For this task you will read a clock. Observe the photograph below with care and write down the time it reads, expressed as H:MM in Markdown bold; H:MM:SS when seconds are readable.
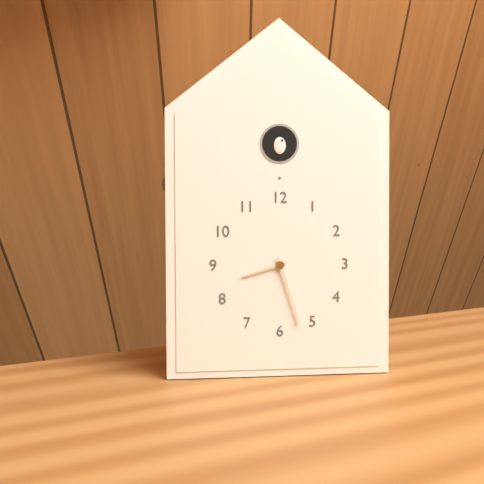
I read **8:27**
